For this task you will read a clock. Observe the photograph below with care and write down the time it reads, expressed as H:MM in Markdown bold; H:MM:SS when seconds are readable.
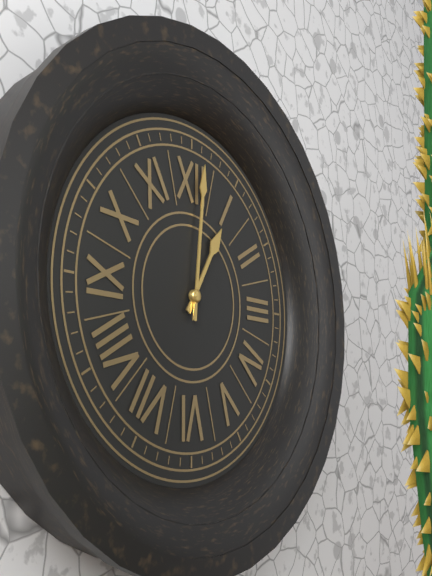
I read **1:01**
